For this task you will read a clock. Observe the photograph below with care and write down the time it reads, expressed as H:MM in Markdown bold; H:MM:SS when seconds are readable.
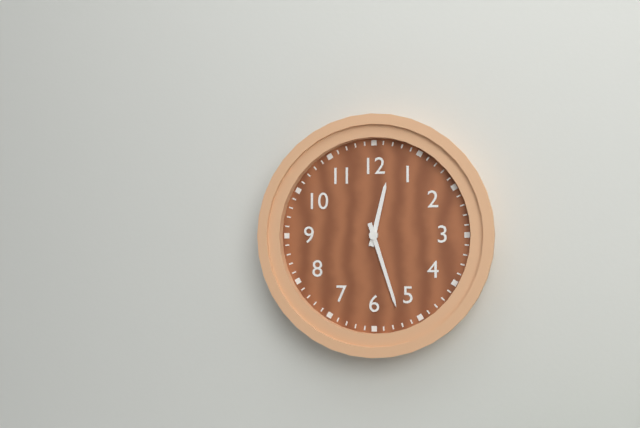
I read **12:27**
